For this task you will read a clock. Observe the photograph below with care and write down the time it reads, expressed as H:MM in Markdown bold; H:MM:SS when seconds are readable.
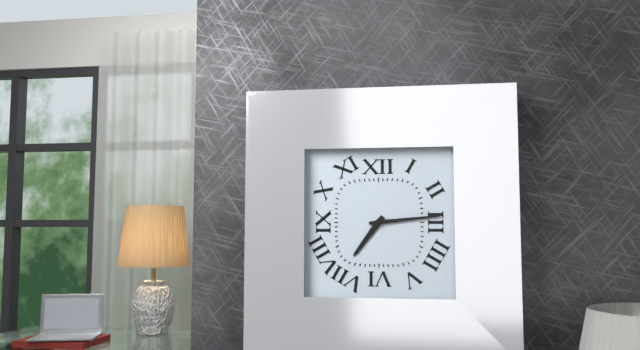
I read **7:14**
